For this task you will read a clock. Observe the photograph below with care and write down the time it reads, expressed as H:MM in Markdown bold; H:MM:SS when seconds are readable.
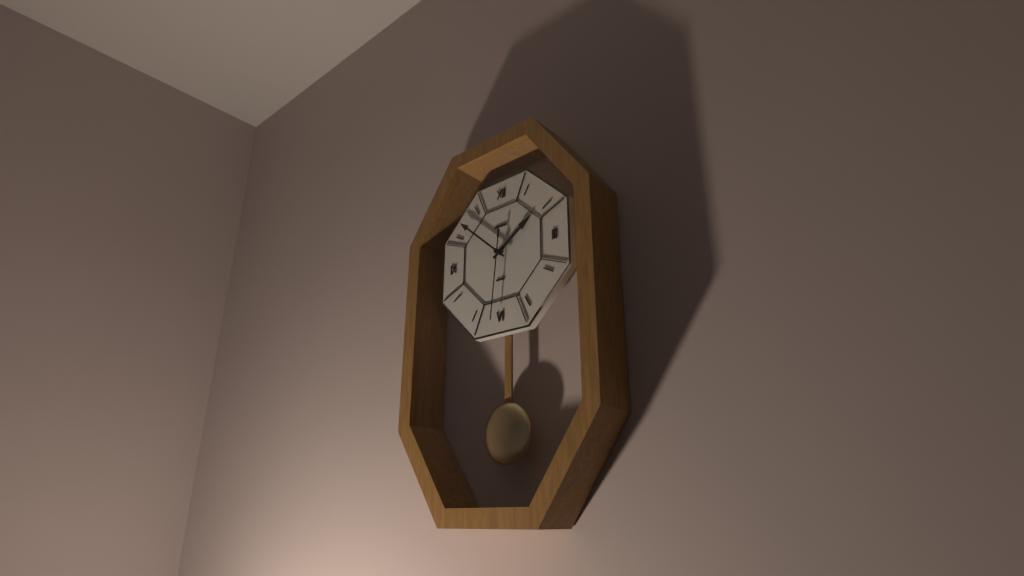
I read **1:52:31**
